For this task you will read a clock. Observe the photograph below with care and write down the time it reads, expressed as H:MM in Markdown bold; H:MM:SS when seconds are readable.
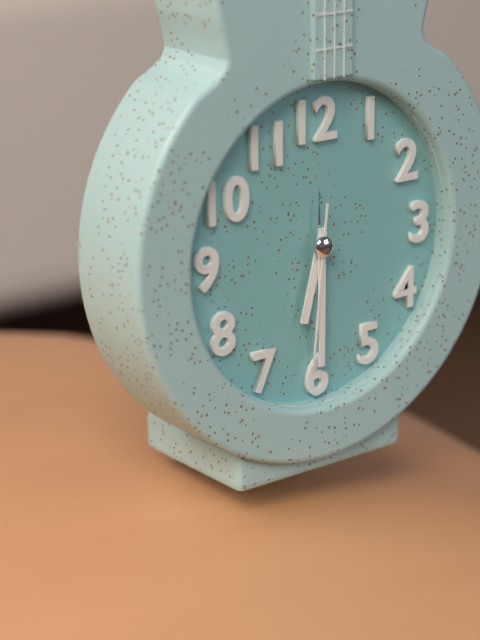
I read **6:30:31**
